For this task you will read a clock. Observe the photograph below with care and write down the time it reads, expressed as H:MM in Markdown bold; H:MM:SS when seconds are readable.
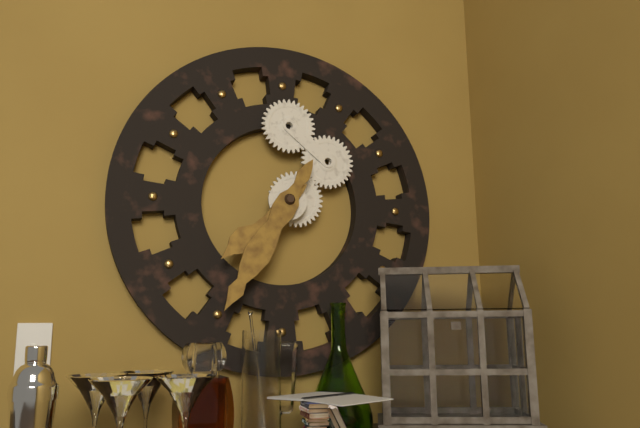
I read **7:35**
